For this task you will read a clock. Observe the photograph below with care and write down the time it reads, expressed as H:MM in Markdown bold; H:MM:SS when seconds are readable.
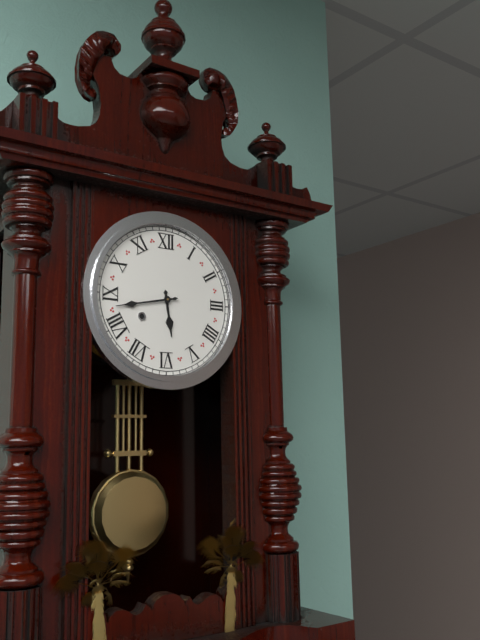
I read **5:43**
